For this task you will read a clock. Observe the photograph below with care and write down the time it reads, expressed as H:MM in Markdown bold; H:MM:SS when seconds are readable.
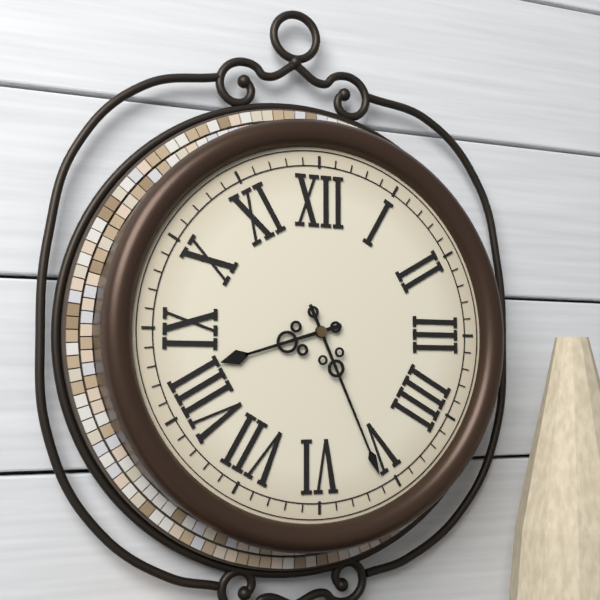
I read **8:26**
